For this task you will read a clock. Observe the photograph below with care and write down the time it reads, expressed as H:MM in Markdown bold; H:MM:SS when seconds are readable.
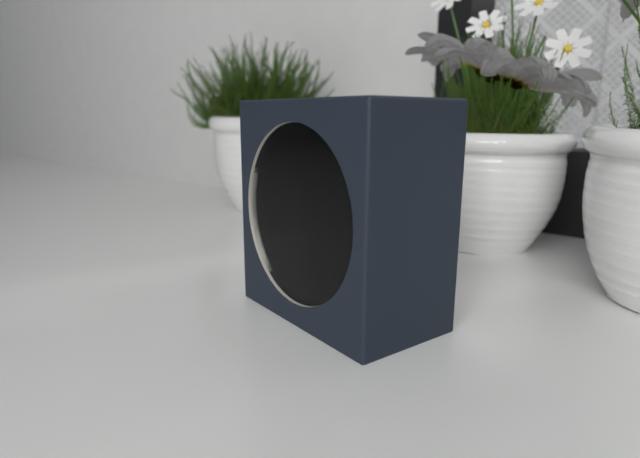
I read **1:10:17**
